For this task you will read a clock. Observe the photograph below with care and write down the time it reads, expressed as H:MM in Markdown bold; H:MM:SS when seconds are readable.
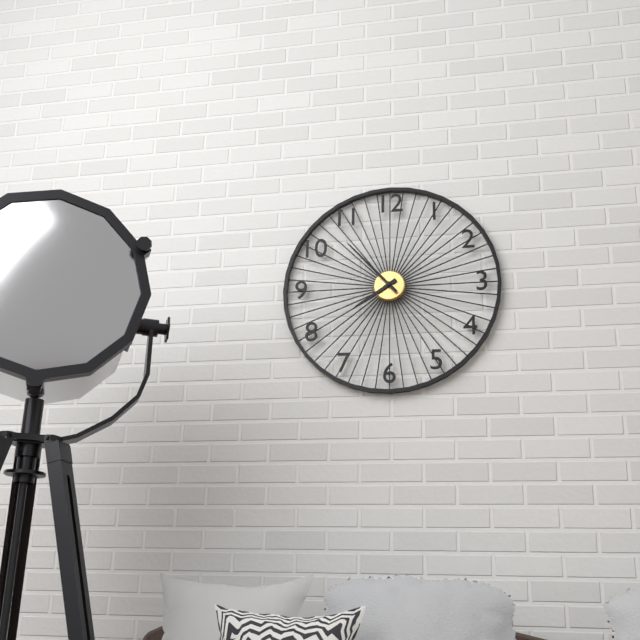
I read **7:53**
